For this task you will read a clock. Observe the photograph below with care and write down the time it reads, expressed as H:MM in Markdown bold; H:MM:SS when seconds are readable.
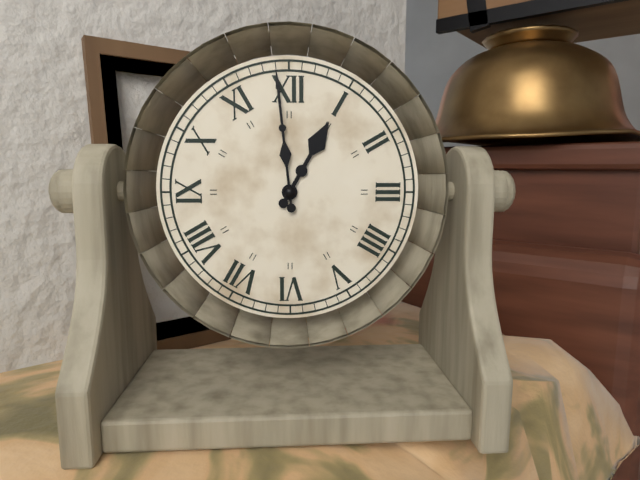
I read **12:59**
